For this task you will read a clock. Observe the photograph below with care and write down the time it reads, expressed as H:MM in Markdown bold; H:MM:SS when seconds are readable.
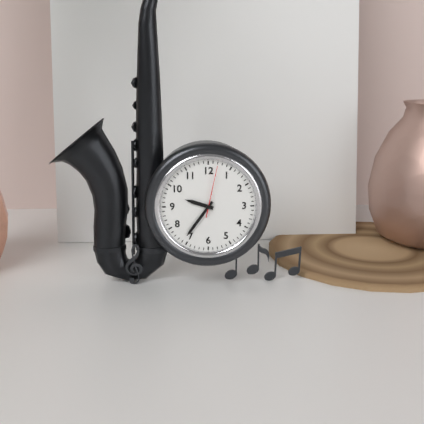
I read **9:36:02**
